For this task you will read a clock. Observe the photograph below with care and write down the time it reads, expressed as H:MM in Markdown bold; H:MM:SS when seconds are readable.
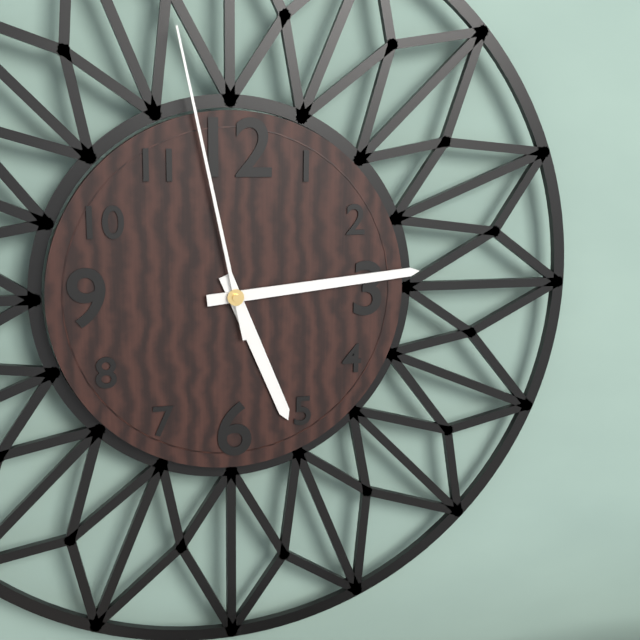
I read **5:14:58**
